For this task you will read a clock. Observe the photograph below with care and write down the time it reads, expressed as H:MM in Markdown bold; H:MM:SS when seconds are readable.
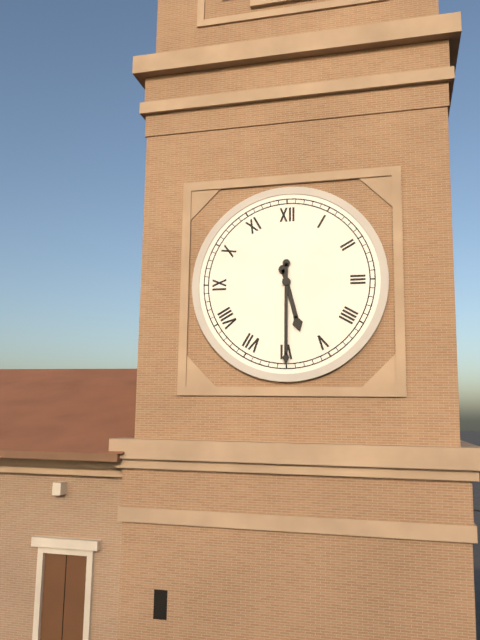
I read **5:30**
